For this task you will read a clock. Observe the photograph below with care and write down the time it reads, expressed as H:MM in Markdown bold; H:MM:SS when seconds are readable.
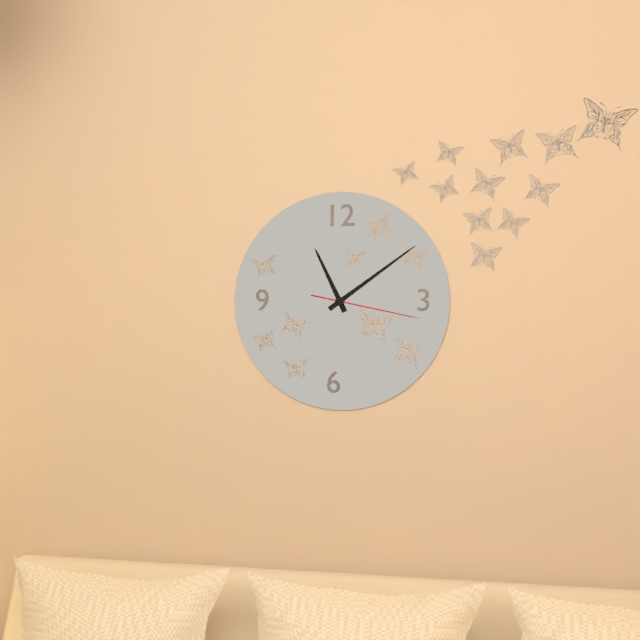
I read **11:09:17**
